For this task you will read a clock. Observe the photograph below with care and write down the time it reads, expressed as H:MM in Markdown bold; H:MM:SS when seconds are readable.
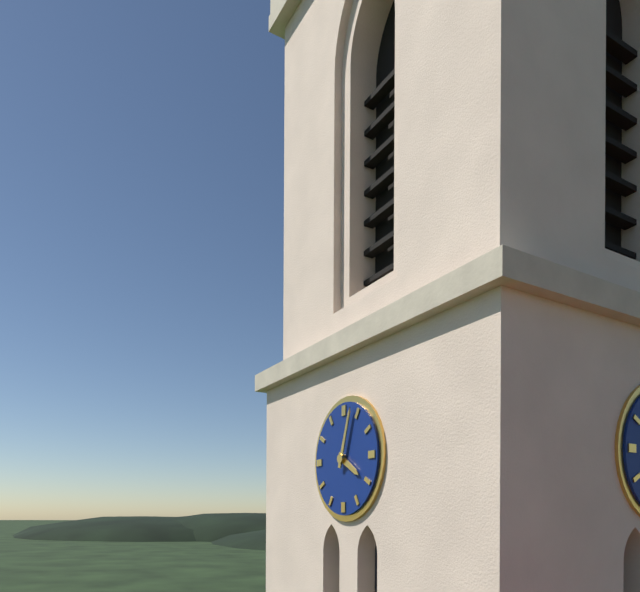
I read **4:03**
